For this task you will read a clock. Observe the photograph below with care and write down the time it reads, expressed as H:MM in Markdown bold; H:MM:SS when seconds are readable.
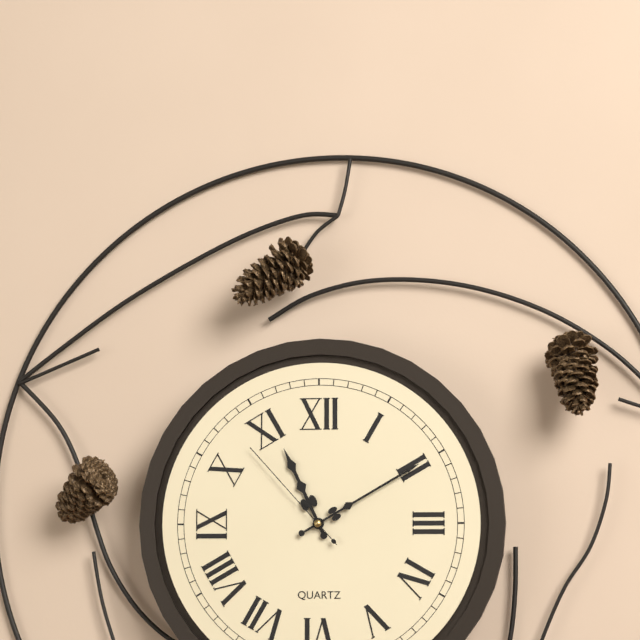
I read **11:10:53**
